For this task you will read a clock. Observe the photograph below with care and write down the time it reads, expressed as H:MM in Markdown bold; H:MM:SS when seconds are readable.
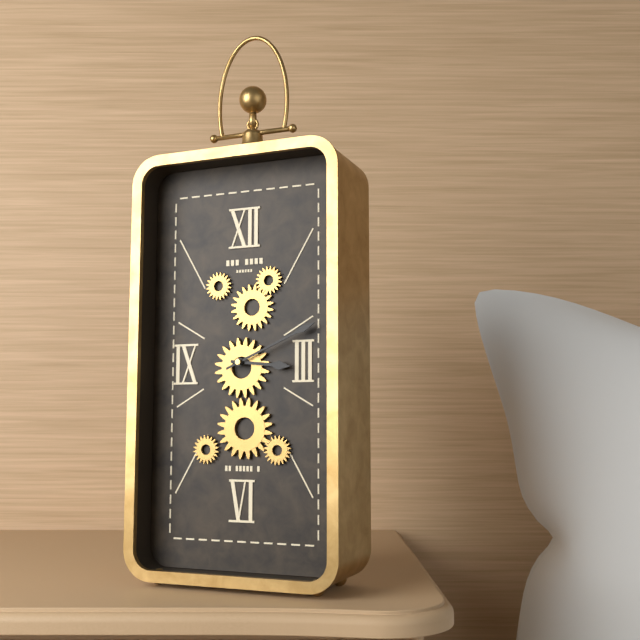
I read **3:11**
